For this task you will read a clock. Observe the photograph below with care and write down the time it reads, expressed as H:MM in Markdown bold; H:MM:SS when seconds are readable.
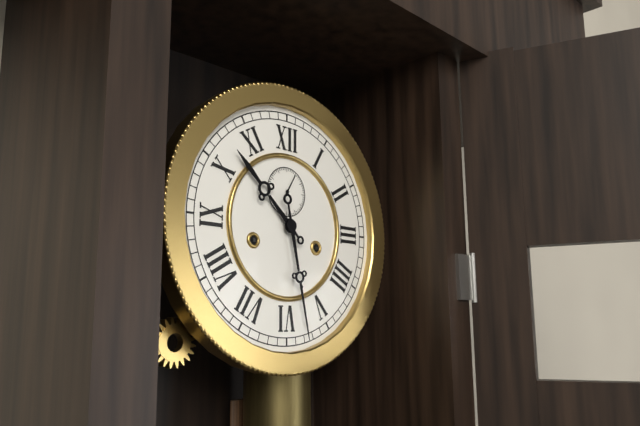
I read **10:28**
